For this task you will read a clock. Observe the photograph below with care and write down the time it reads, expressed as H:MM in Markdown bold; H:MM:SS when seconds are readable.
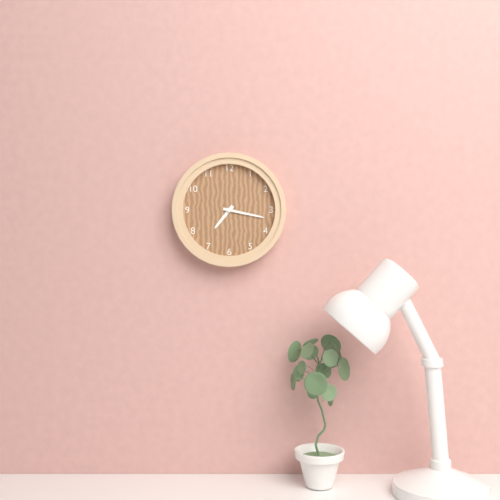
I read **7:17**
